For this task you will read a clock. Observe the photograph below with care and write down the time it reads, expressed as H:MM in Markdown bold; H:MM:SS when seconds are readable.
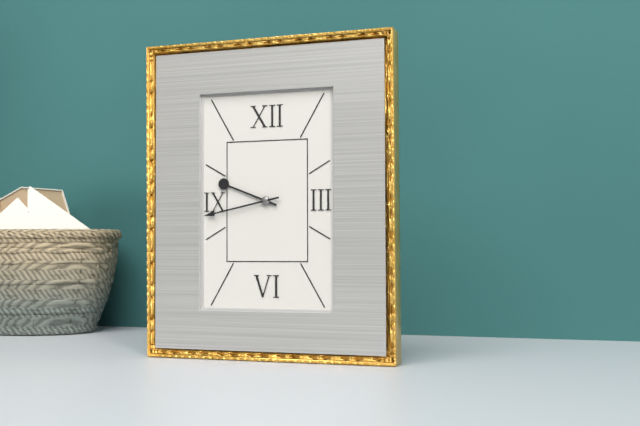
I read **9:43**
